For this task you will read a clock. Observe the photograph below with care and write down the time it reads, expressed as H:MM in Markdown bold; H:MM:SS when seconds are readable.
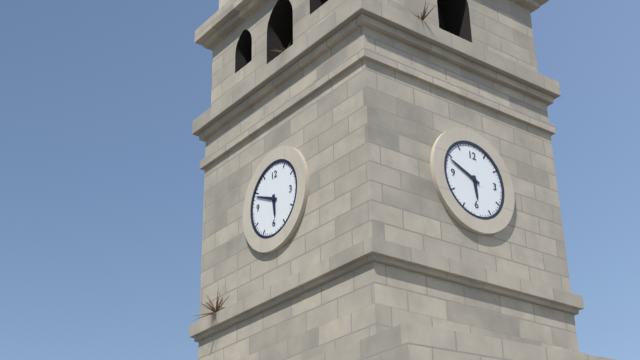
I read **5:49**
